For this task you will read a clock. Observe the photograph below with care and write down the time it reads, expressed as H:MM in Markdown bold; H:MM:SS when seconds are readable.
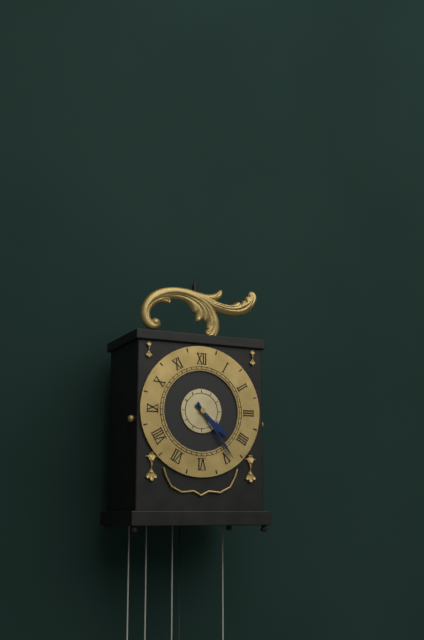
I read **4:24**
